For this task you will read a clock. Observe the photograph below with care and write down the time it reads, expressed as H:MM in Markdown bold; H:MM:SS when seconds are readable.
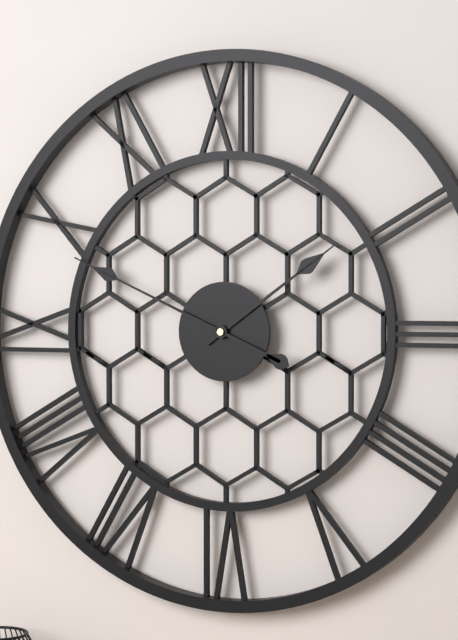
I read **1:49**
